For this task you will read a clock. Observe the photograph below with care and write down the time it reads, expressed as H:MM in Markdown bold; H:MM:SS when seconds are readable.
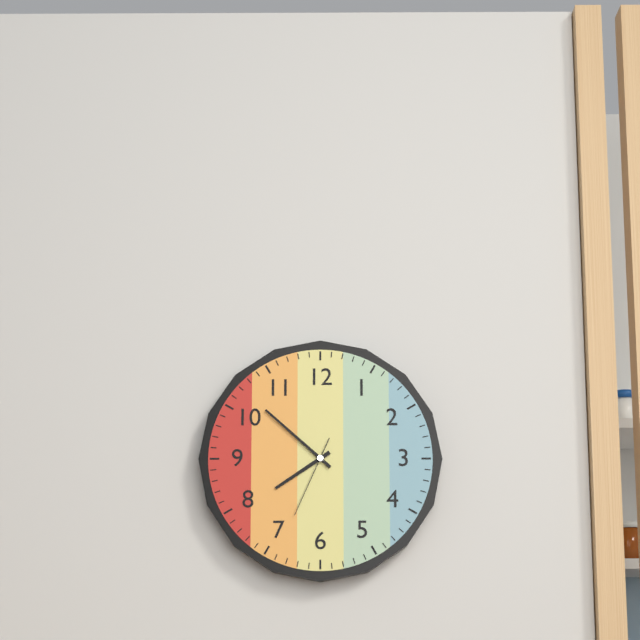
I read **7:52:34**
